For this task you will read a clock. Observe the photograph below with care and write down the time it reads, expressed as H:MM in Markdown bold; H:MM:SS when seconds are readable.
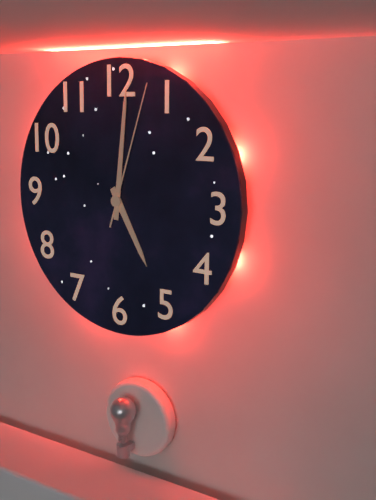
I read **5:01:03**
